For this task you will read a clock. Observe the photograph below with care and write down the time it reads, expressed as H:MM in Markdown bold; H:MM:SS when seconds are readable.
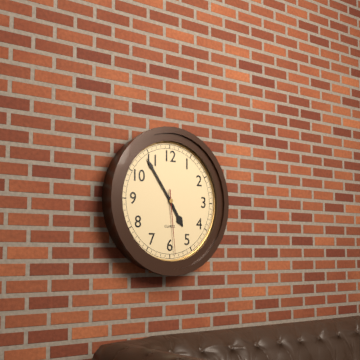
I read **4:54:29**
